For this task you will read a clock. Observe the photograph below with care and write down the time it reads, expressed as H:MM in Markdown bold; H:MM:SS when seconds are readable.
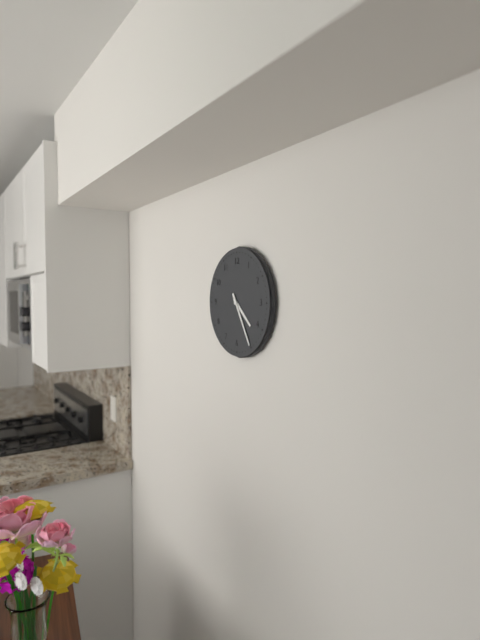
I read **4:25**
